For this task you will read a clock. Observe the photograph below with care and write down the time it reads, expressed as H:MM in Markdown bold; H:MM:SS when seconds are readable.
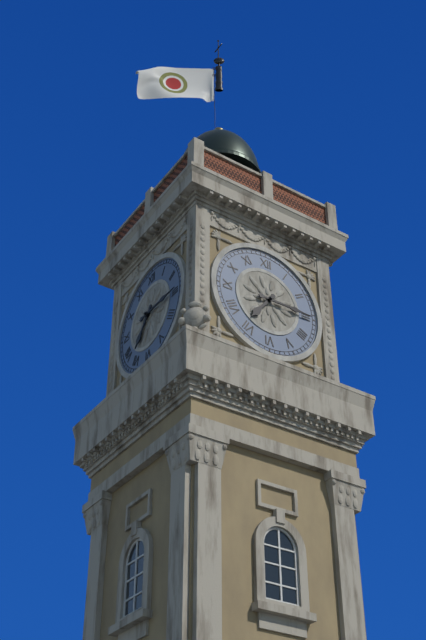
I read **7:15**
